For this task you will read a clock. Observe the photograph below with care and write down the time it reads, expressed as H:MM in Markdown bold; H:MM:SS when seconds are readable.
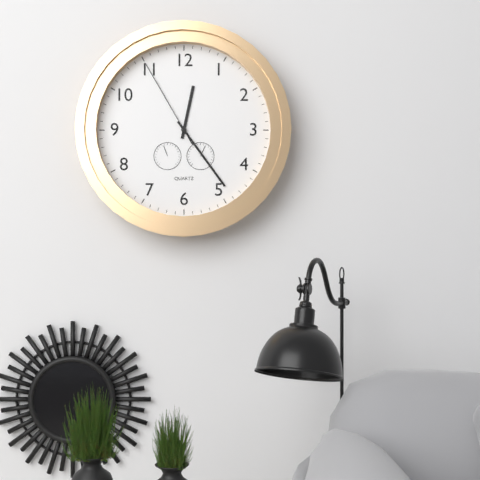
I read **12:24:55**
